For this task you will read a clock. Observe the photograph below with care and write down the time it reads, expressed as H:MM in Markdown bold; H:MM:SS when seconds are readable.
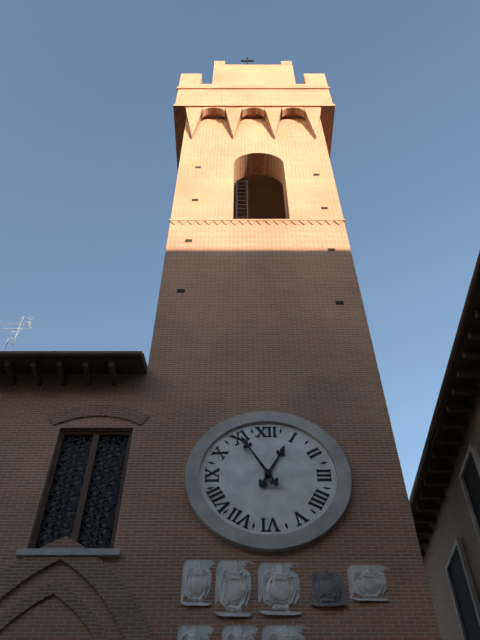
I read **12:55**
